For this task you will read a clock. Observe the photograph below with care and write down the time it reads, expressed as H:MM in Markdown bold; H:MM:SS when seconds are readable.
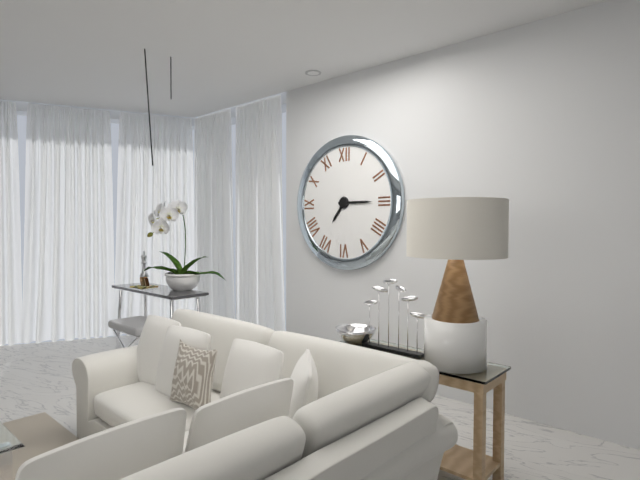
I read **7:15**
